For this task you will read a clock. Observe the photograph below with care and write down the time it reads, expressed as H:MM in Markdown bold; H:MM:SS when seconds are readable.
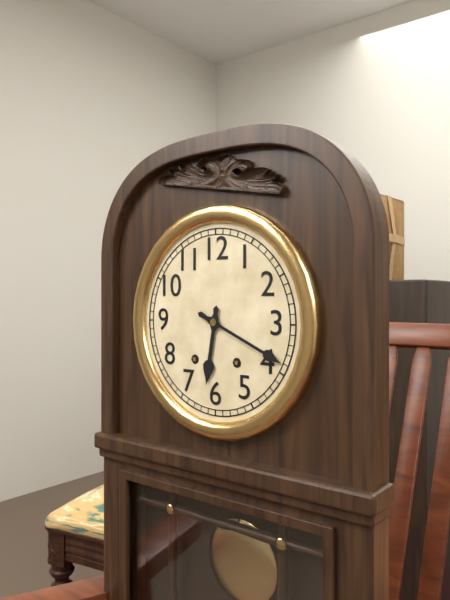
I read **6:19**
